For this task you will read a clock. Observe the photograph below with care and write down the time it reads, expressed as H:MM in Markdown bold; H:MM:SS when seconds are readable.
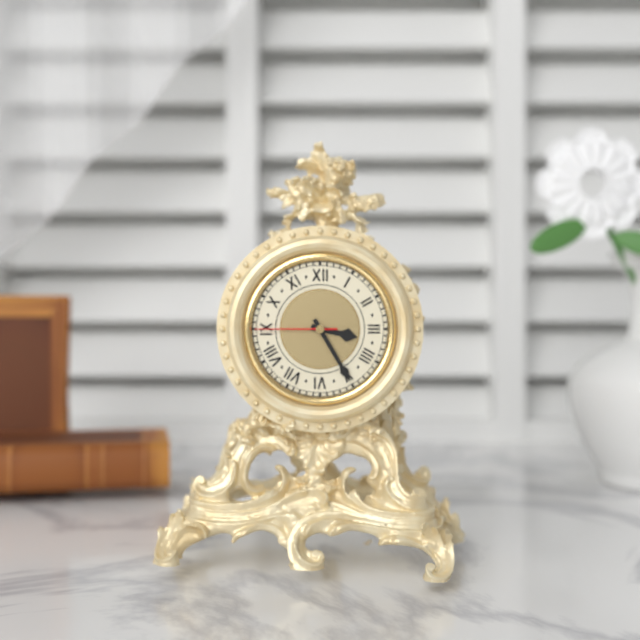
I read **3:25:45**
